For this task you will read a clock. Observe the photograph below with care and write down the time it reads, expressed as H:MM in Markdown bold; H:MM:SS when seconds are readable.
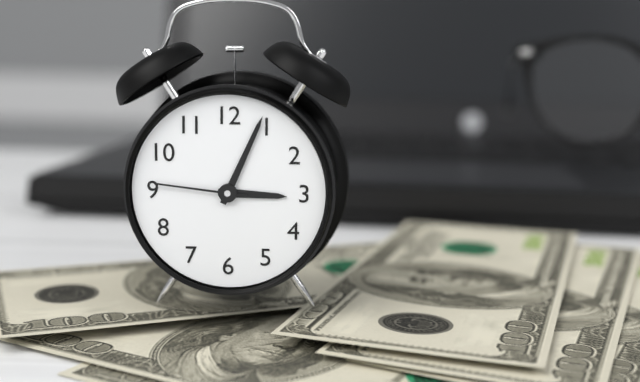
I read **3:04:46**
